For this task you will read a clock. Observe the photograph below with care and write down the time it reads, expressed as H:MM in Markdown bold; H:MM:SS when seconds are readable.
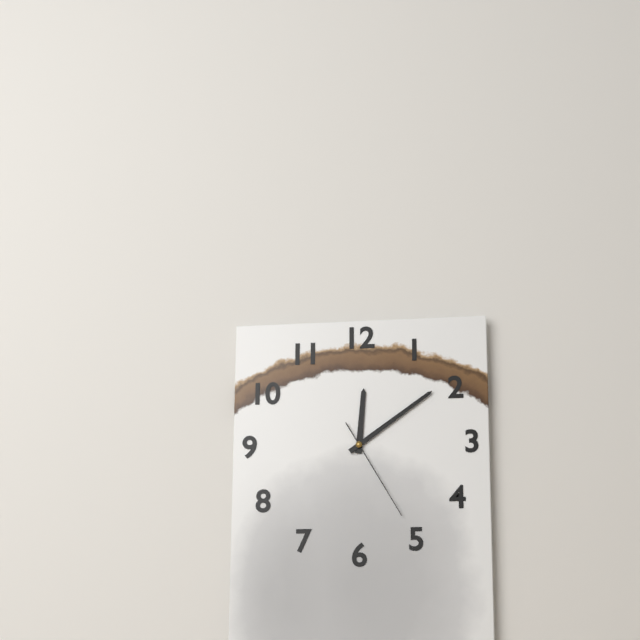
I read **12:09:25**
